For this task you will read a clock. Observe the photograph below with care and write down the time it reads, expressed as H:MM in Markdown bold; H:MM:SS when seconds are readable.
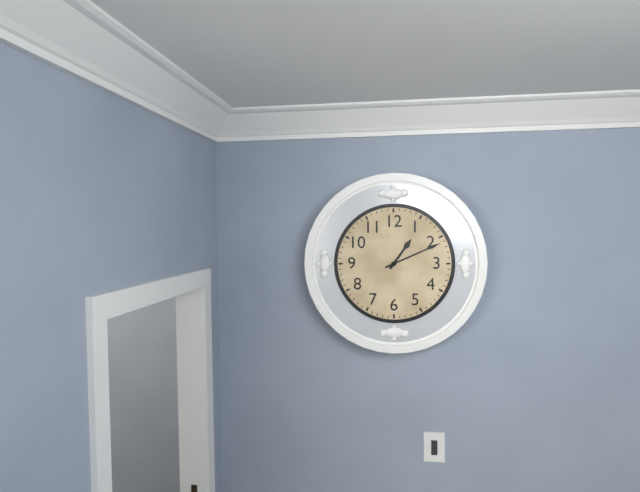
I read **1:11**
